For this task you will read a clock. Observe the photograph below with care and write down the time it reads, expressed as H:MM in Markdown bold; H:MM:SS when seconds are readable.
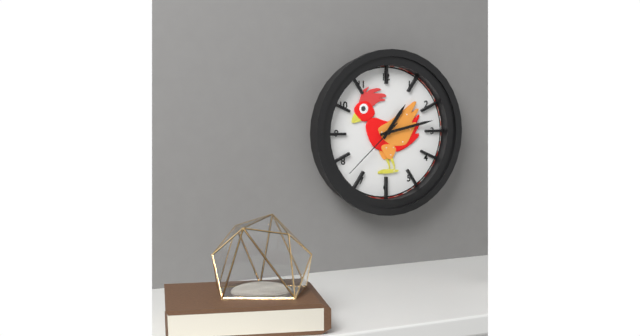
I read **1:13:38**
